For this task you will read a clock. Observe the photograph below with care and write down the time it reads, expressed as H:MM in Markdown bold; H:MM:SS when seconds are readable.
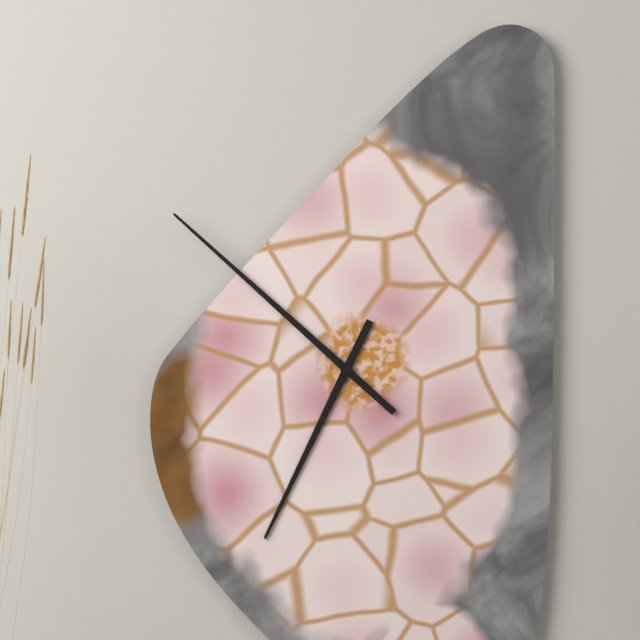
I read **6:52**
